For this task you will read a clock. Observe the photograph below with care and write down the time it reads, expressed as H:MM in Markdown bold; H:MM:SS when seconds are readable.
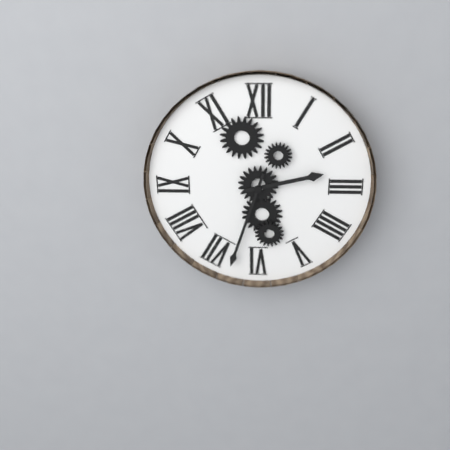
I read **2:33**
